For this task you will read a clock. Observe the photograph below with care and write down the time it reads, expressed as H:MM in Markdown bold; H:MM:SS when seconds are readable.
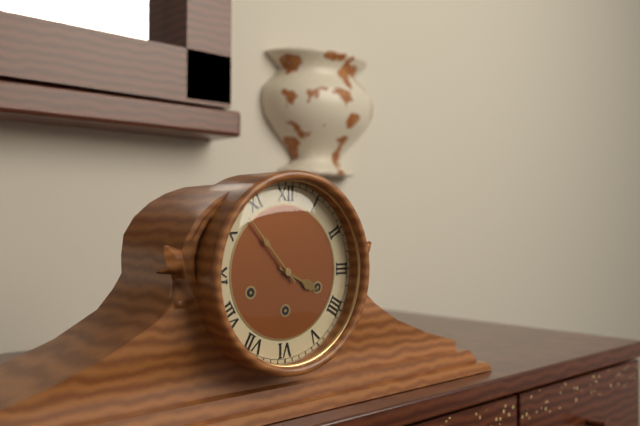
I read **3:53**
